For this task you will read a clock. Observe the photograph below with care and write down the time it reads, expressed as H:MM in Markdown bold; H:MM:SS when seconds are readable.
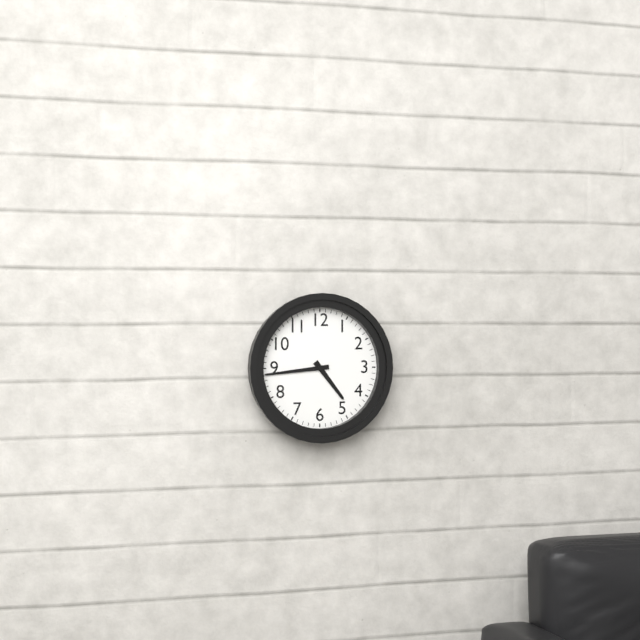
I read **4:44**
